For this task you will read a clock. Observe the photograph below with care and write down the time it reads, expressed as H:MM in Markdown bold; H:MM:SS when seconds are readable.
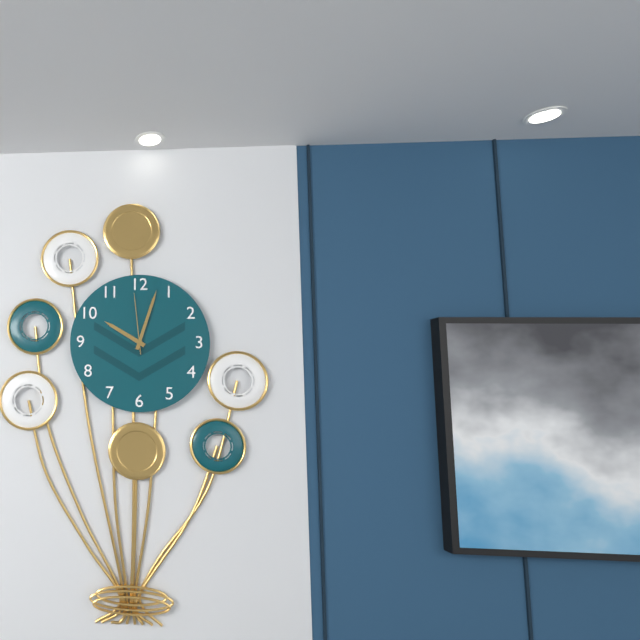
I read **10:03:59**
